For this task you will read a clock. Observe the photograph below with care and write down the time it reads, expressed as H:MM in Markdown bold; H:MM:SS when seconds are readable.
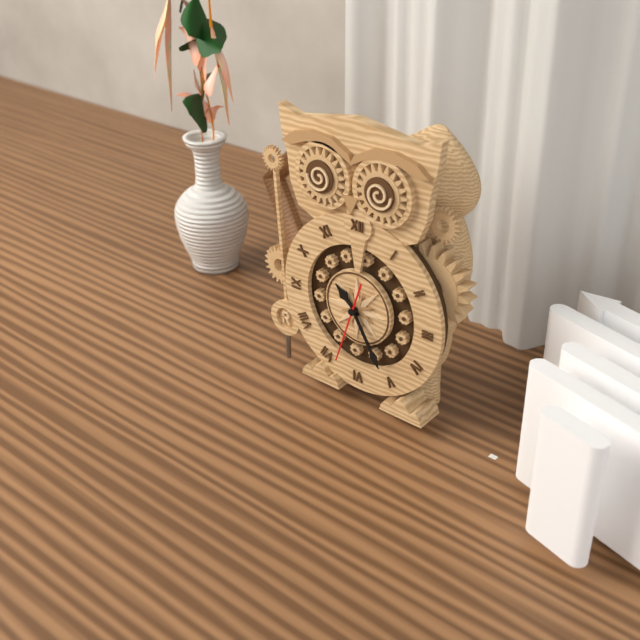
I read **10:25:33**
